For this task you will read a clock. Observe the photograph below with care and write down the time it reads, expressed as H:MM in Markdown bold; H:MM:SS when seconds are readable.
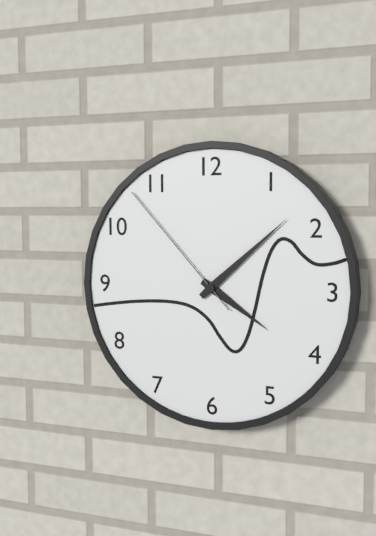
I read **4:08:53**
